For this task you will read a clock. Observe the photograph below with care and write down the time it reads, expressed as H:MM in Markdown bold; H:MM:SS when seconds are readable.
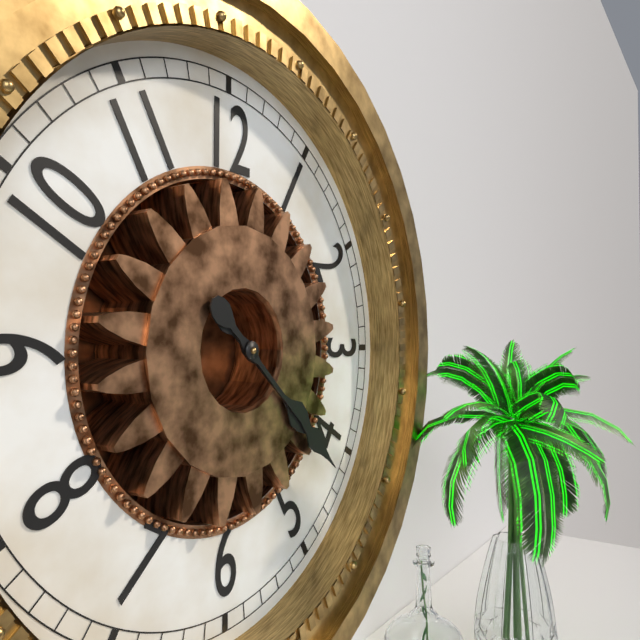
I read **4:22**
